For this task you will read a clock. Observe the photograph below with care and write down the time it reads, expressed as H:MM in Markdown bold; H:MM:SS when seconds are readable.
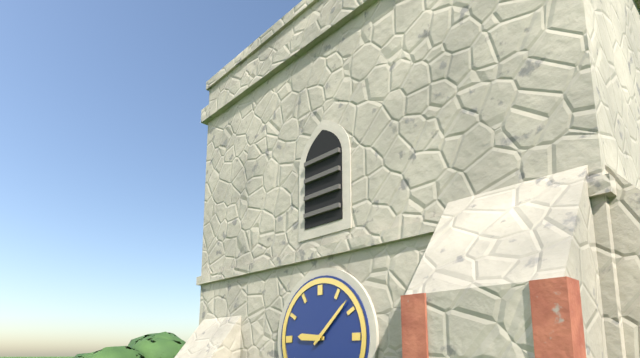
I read **9:08**
